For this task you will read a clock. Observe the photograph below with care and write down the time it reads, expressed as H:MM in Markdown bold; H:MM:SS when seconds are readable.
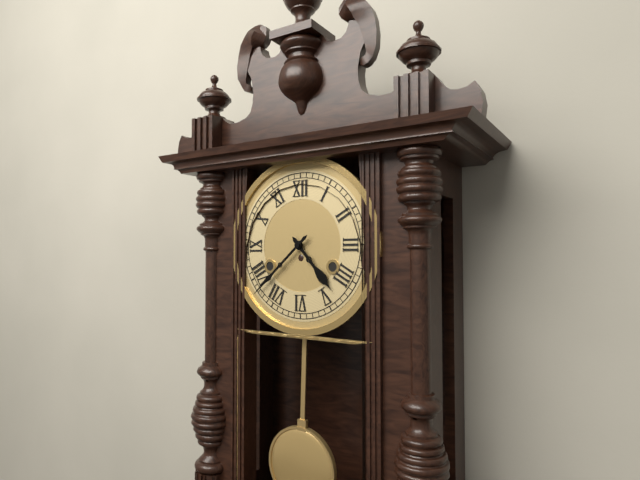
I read **4:38**
